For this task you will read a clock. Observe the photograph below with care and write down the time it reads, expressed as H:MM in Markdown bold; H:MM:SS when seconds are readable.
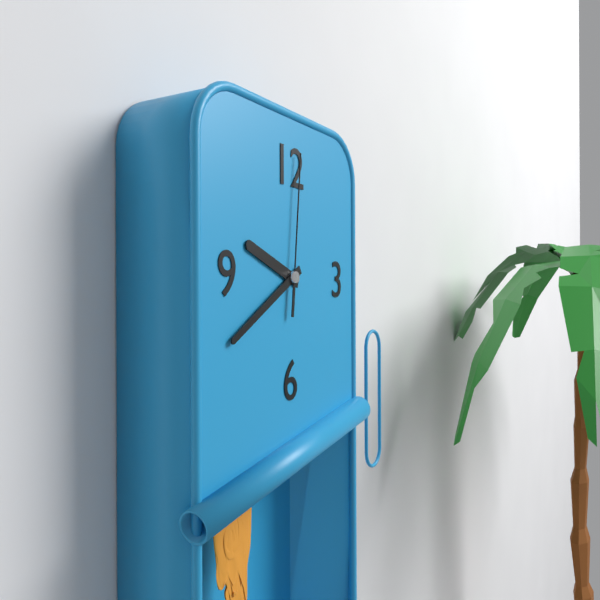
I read **9:40:01**
